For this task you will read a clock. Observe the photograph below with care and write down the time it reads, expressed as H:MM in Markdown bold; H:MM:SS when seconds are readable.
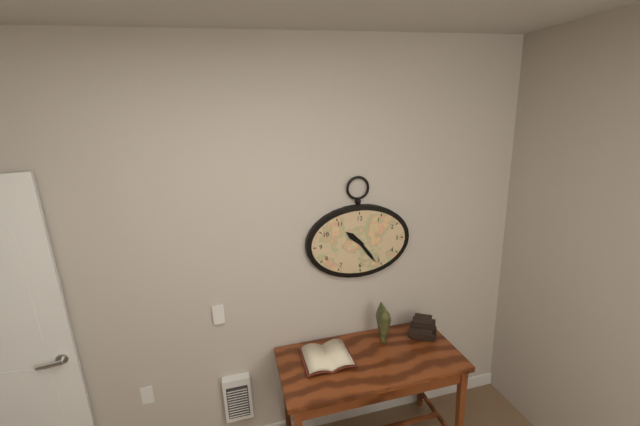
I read **10:24**
